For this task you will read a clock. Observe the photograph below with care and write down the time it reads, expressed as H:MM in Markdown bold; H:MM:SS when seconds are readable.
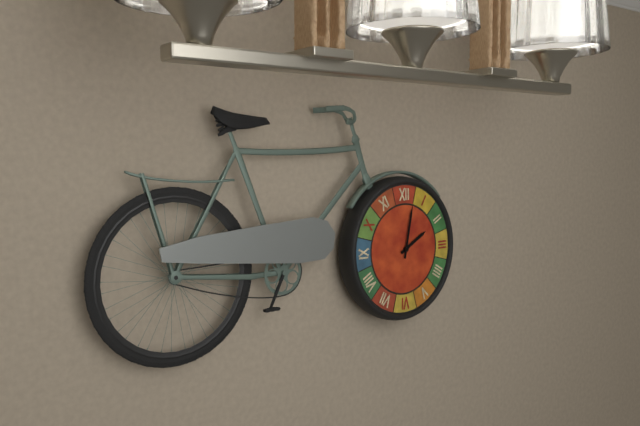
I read **2:02**
